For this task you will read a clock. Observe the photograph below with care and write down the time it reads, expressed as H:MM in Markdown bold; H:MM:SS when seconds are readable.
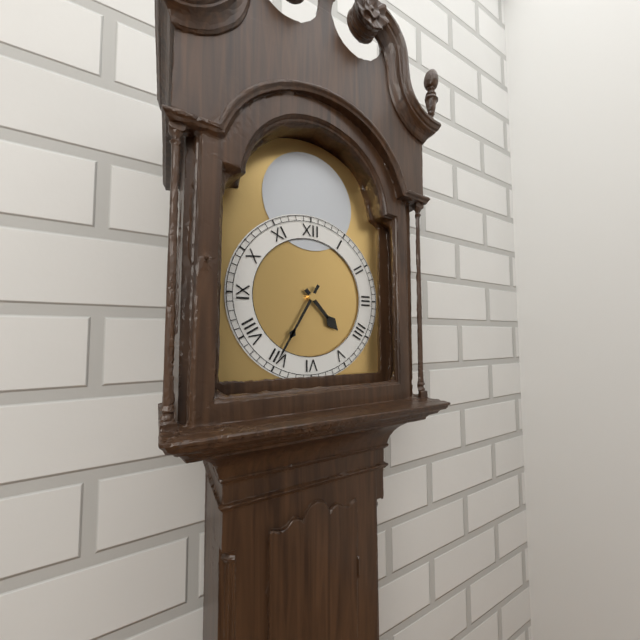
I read **4:35**
